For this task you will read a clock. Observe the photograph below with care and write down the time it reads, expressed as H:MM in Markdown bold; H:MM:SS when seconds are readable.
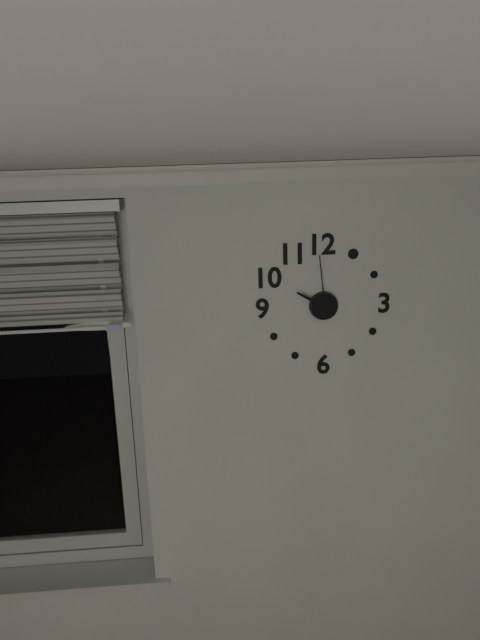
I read **9:59**
